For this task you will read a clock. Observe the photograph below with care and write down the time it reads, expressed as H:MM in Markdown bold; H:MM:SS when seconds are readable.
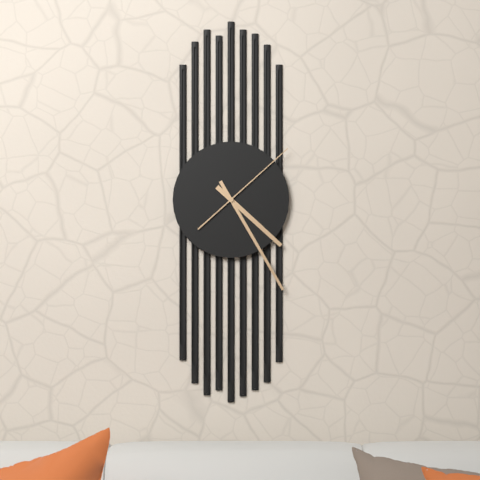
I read **4:25:08**
